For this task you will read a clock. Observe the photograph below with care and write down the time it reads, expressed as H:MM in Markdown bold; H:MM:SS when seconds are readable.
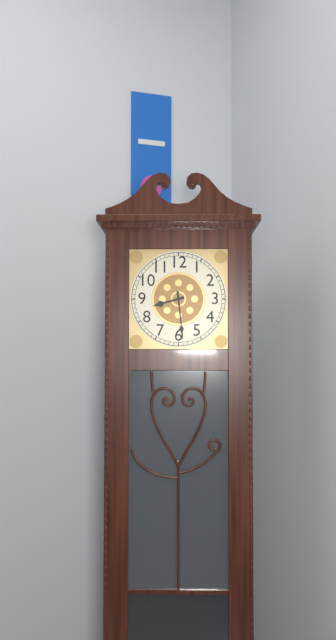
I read **8:29**
